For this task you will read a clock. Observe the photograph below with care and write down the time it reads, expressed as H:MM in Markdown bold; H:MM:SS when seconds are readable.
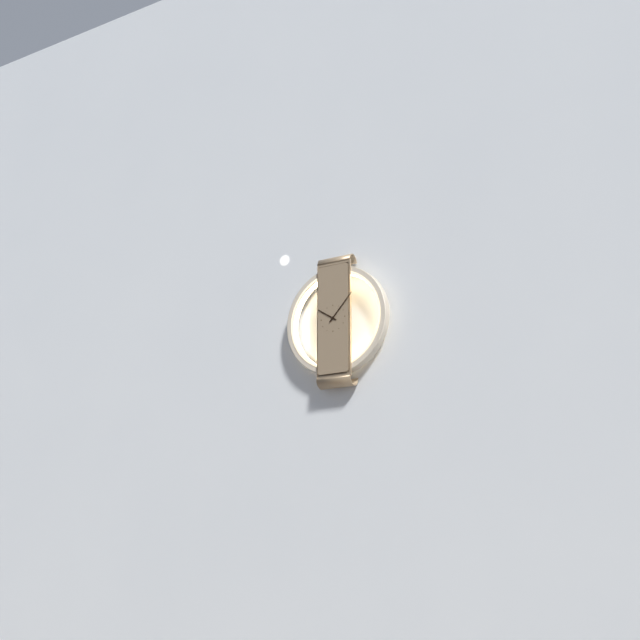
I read **10:07**
